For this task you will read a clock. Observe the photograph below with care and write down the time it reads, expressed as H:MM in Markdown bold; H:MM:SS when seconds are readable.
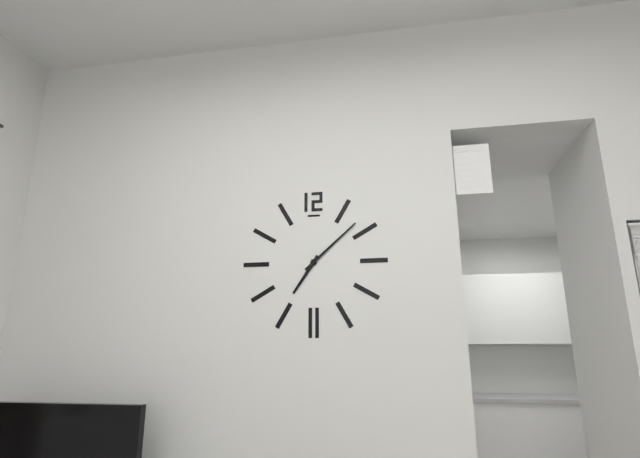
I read **7:08**
